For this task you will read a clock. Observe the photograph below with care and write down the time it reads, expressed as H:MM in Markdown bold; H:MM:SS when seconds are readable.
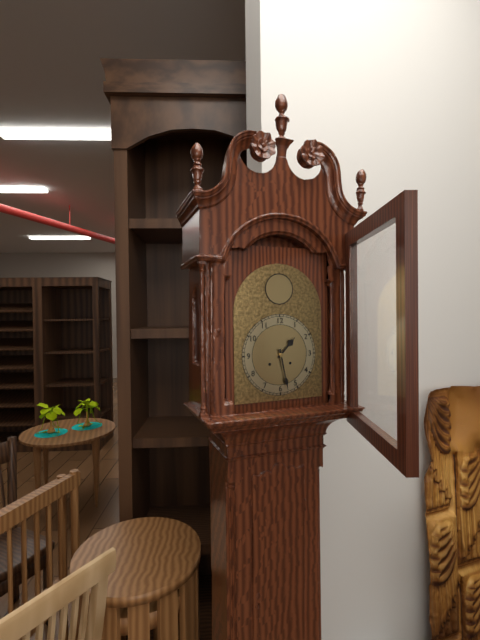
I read **1:28**
